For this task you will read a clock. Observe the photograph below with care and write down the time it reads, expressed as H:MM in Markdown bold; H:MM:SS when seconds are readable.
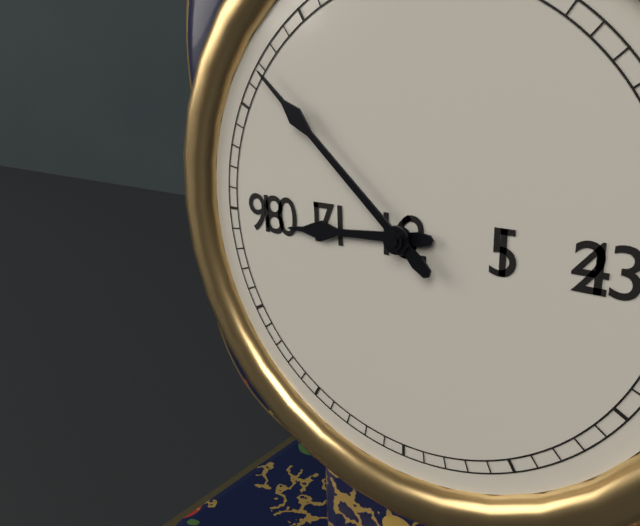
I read **8:52**
